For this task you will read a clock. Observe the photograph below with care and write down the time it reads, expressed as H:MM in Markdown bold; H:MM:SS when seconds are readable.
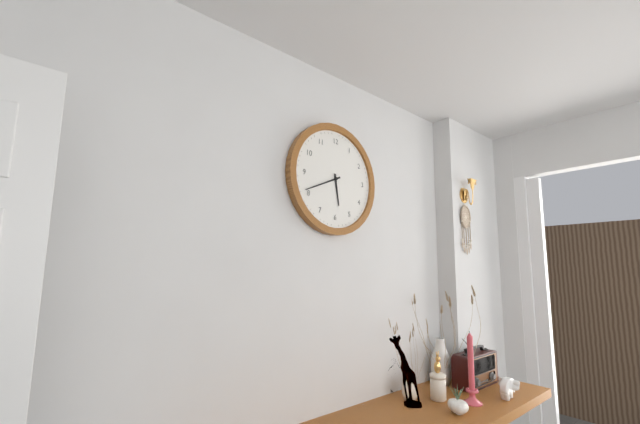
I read **5:41**
